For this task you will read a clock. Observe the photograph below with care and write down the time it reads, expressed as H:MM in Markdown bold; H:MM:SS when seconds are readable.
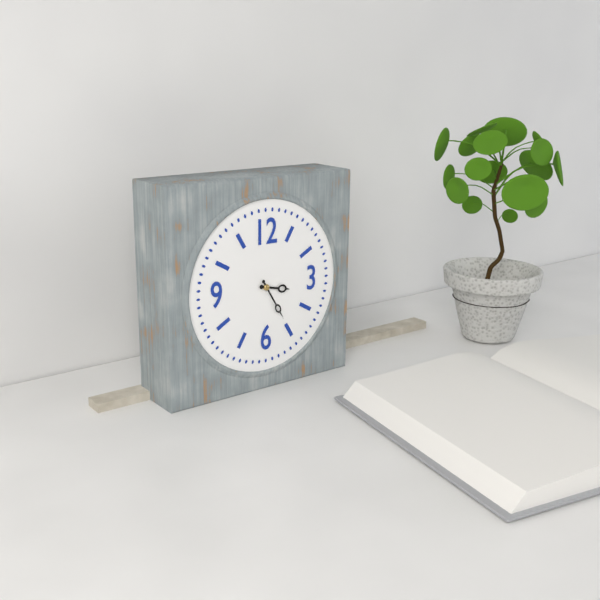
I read **3:25**
